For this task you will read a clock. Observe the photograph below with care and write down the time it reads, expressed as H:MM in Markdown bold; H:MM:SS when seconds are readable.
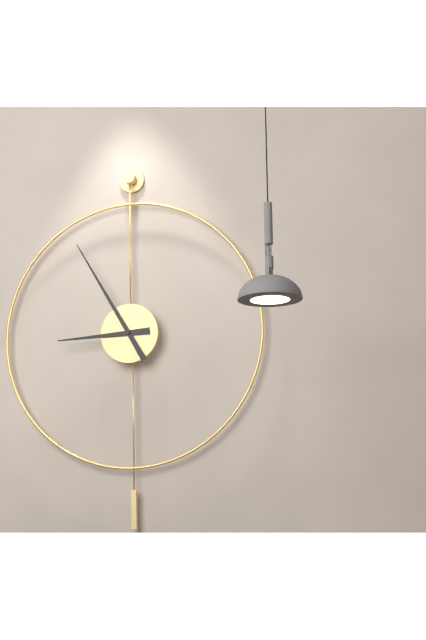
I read **8:55**
